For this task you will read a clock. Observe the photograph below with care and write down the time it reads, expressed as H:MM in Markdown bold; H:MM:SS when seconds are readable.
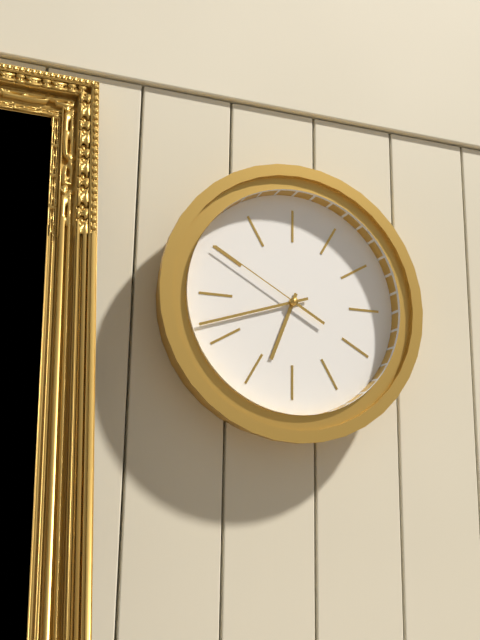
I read **6:42:50**
